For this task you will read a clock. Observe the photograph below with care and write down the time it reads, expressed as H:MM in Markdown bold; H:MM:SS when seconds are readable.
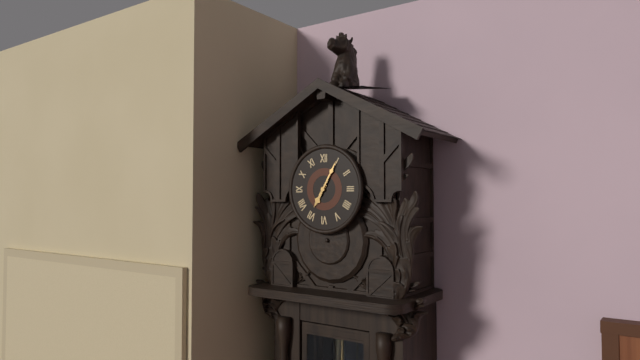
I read **7:05**
